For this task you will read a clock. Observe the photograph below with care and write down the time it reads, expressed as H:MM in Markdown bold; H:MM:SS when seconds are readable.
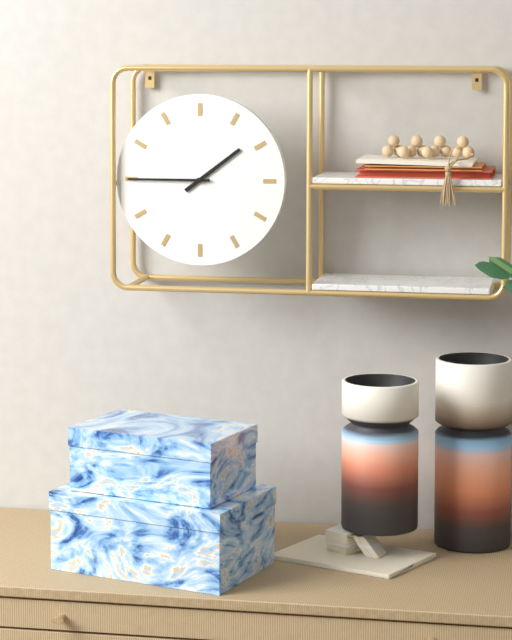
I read **1:45**
